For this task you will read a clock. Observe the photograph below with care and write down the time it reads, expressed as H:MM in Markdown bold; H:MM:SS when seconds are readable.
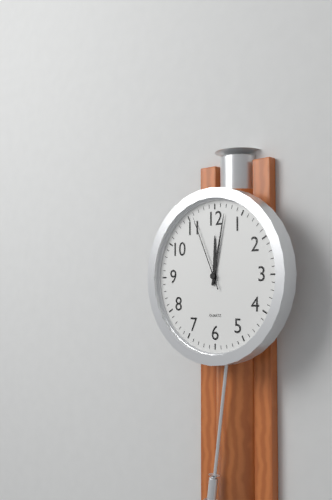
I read **12:02:56**
